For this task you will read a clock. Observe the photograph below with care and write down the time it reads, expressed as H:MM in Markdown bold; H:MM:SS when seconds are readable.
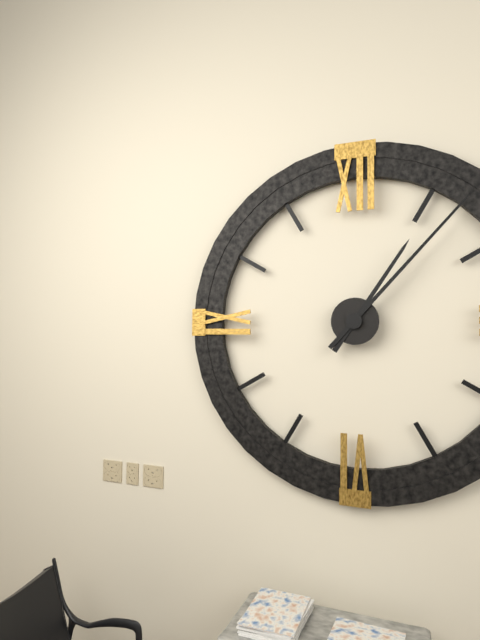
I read **1:07**
